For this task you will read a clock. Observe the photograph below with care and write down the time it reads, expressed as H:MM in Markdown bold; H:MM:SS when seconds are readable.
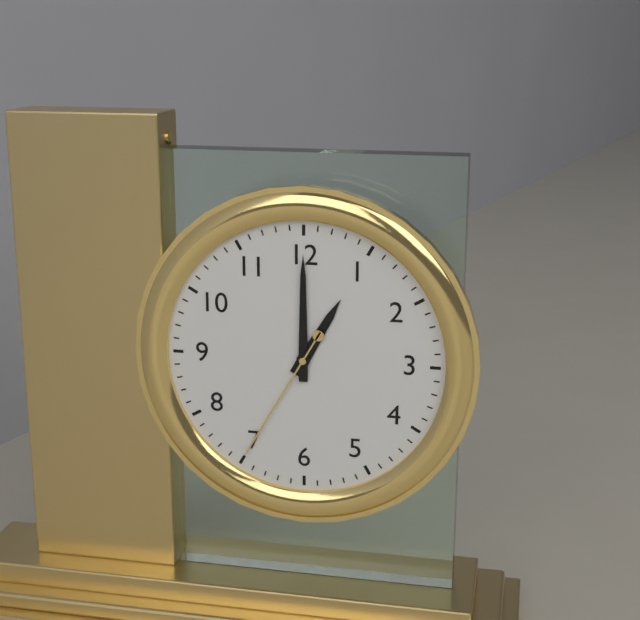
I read **1:00:35**
